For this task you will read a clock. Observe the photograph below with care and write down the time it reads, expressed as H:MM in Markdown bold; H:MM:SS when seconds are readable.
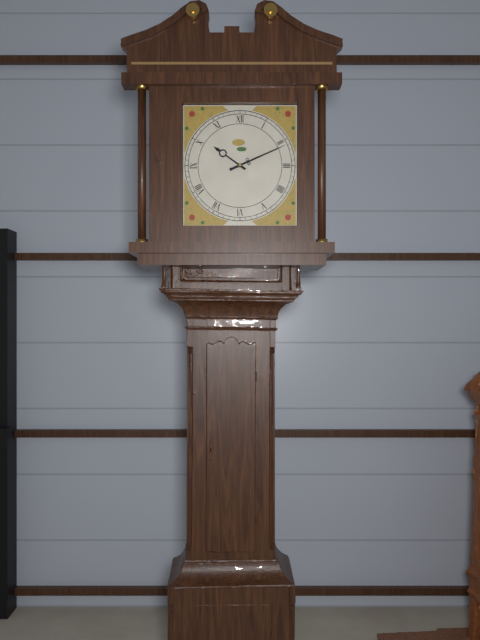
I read **10:11**
